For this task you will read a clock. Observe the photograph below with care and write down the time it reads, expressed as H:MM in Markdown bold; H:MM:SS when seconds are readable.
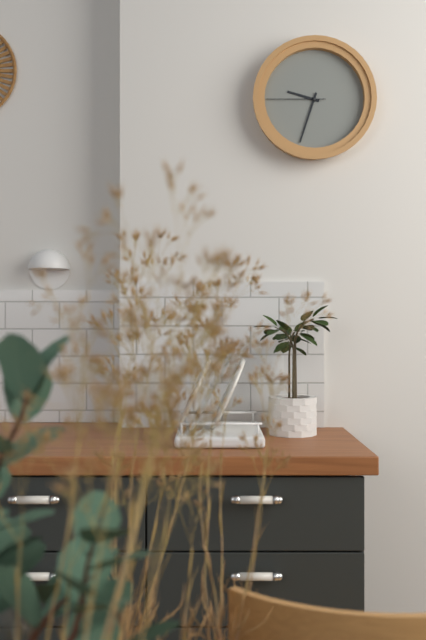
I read **9:33:45**
